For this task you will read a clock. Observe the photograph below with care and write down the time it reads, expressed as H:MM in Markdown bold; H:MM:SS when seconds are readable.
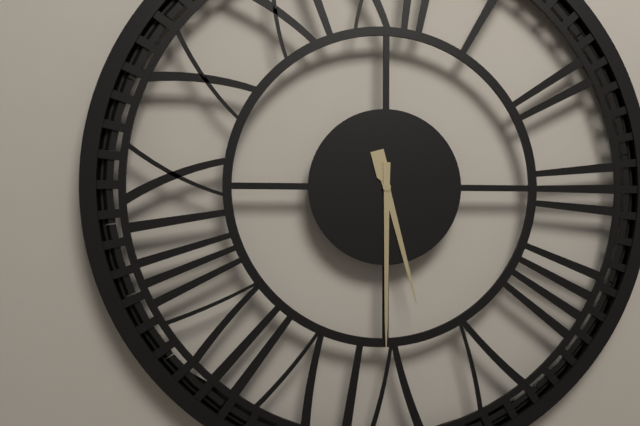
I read **5:30**
